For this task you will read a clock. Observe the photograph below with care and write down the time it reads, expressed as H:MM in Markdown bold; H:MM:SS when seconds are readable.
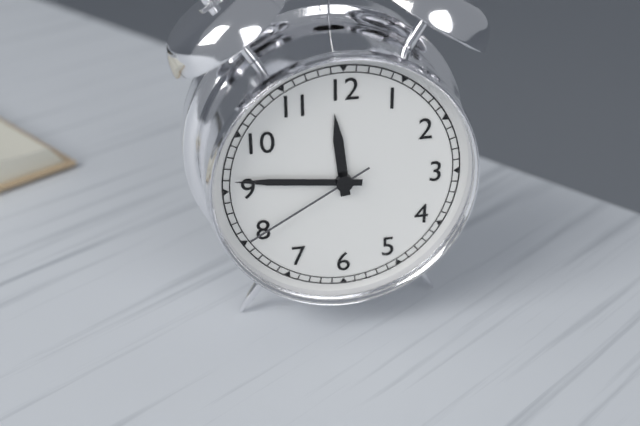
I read **11:46:40**
